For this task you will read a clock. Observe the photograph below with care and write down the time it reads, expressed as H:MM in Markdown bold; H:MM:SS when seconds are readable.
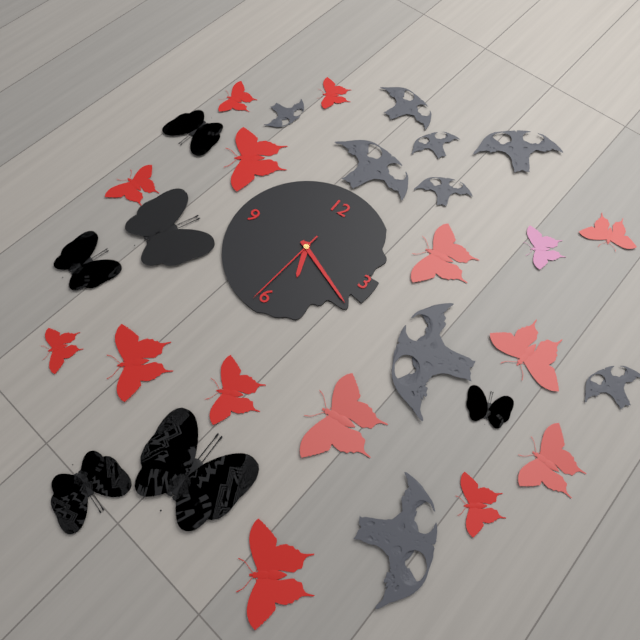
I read **5:19:31**
